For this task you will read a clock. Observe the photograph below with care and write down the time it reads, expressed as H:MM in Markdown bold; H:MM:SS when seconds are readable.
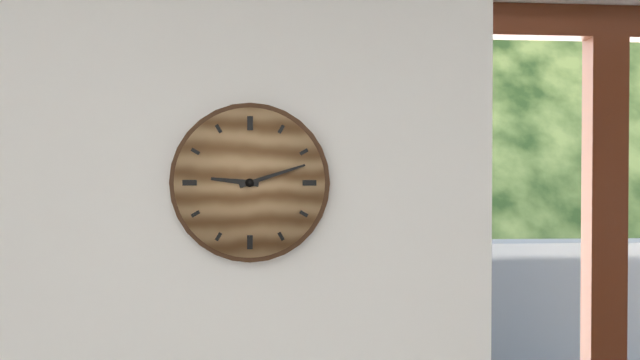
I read **9:12**
